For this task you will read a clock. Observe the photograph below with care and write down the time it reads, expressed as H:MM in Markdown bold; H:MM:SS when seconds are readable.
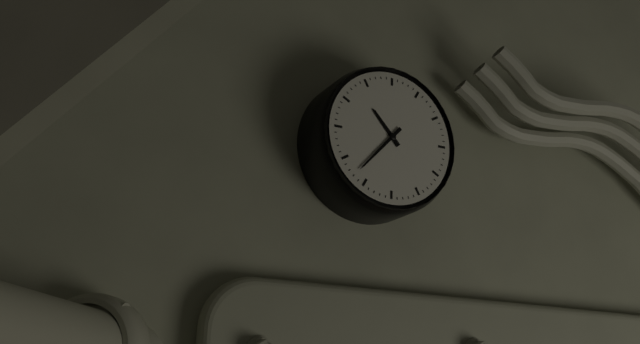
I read **10:37**
